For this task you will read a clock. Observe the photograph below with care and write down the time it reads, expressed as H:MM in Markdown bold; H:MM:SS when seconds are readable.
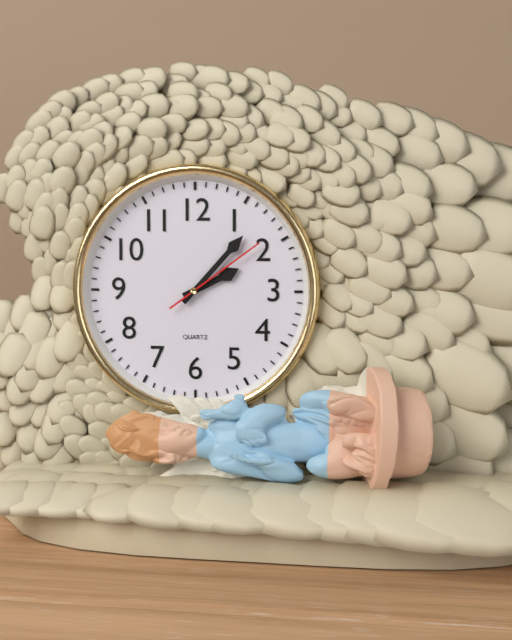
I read **2:07:09**
